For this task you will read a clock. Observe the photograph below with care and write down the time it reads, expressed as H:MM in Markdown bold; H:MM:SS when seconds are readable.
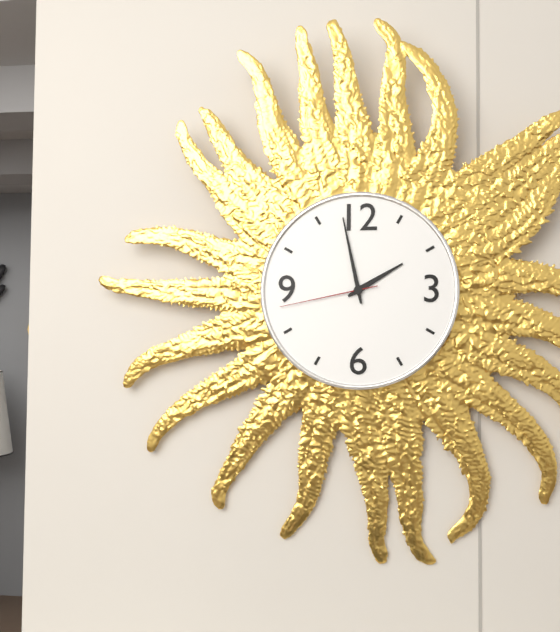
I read **1:58:43**
